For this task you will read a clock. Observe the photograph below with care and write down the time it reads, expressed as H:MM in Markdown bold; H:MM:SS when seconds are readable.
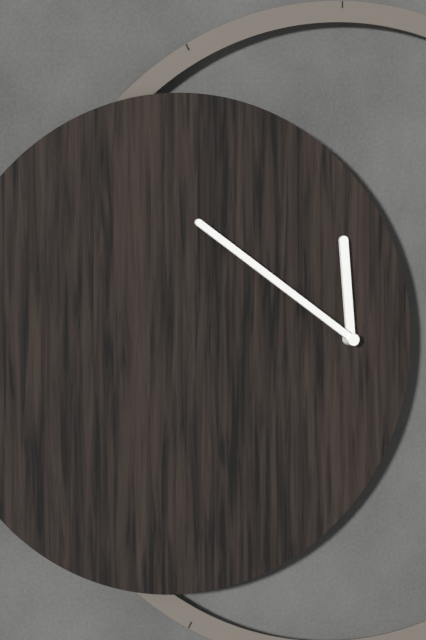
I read **11:51**
